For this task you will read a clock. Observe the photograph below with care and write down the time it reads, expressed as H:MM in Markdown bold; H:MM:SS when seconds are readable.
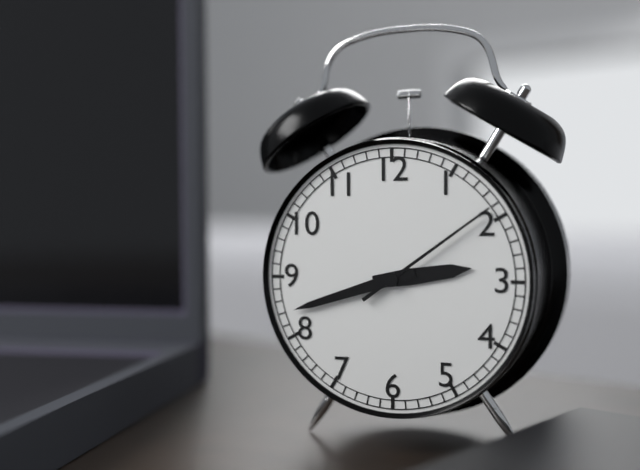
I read **2:42:09**
